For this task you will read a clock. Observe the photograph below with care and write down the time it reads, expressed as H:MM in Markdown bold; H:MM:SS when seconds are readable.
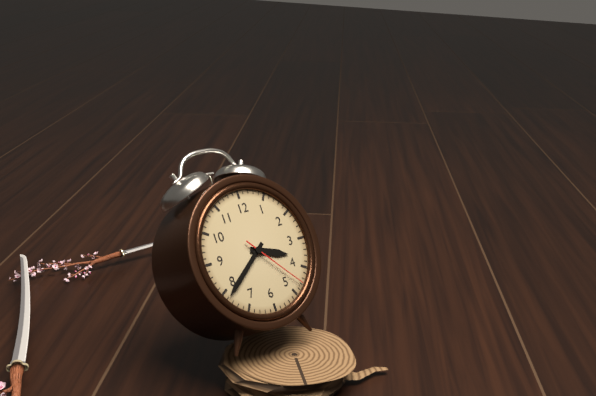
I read **3:39:23**
